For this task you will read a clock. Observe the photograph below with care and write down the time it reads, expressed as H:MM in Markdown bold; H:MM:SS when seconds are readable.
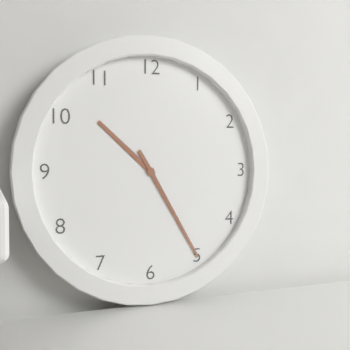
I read **10:25**
